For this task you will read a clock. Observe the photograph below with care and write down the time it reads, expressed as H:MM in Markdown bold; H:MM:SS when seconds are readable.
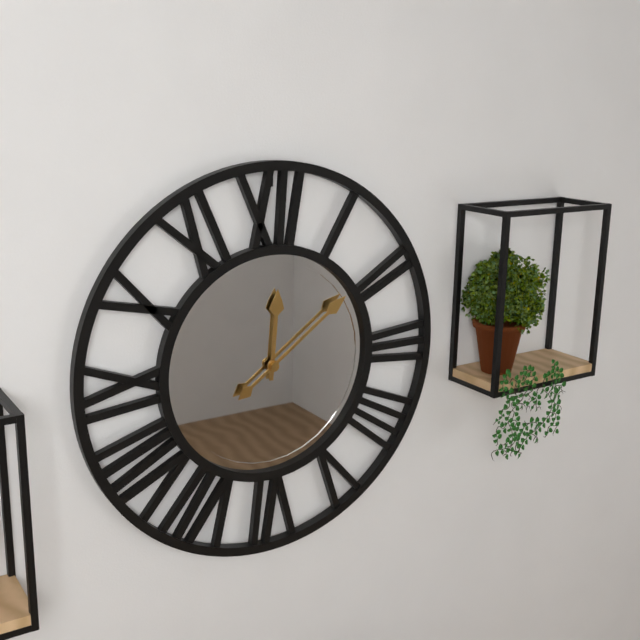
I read **12:09**
